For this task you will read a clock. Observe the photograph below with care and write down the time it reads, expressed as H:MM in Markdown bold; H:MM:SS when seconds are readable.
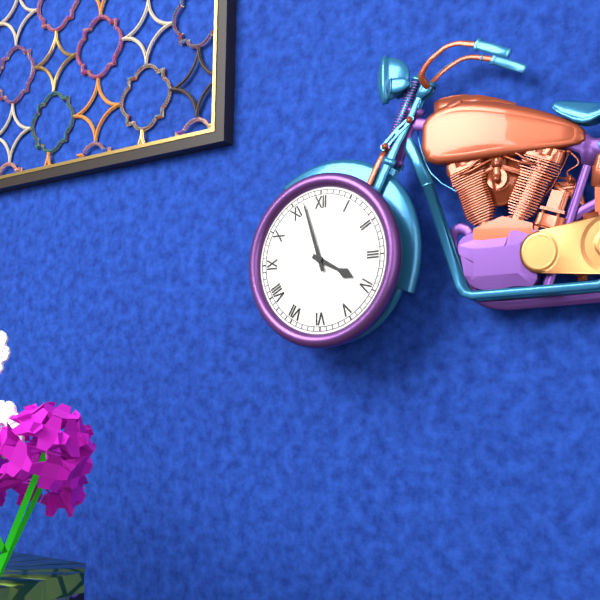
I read **3:57**
